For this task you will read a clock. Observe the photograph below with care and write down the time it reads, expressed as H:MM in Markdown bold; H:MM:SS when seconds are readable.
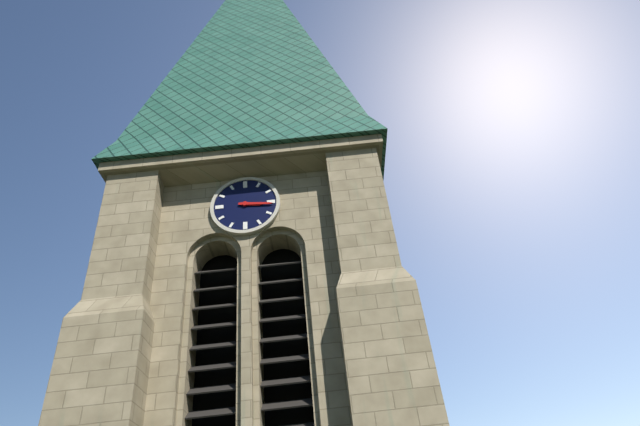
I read **3:16**
